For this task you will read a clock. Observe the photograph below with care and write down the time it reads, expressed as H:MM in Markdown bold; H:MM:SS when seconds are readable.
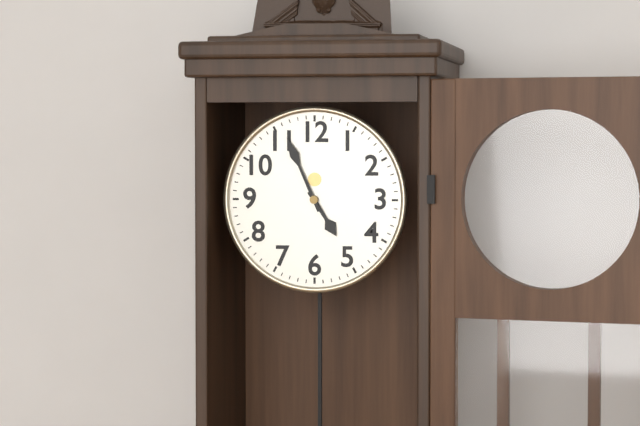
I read **4:56**
